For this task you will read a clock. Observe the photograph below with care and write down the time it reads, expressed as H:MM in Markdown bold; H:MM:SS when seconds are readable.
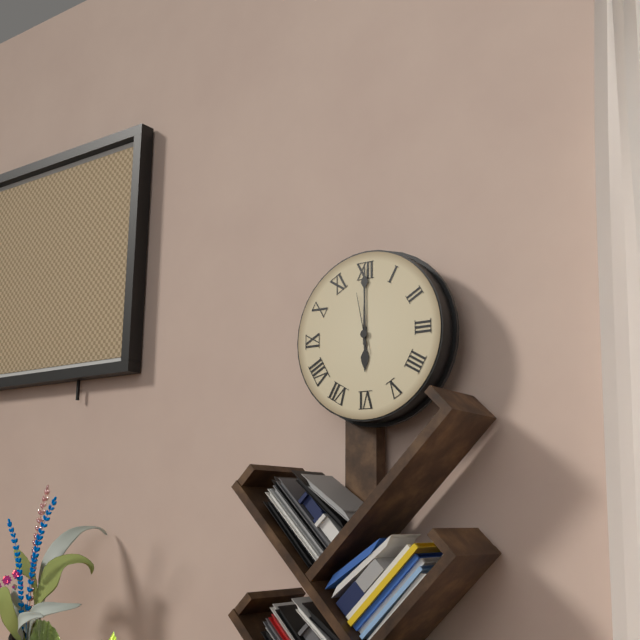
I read **6:00:58**
